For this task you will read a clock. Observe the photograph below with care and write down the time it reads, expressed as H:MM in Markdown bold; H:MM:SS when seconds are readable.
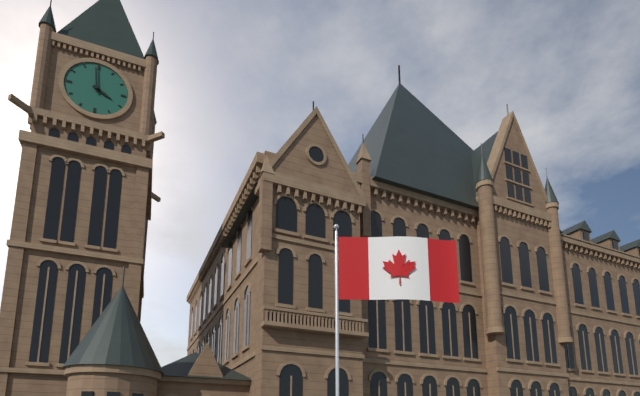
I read **3:59**
